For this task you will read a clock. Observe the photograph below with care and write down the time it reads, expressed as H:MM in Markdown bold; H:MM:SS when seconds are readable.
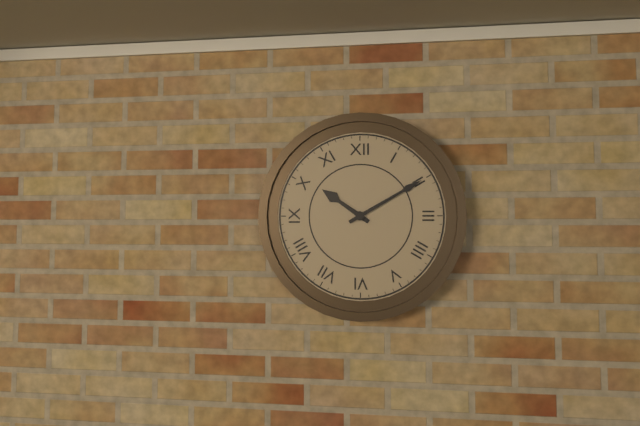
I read **10:10**
